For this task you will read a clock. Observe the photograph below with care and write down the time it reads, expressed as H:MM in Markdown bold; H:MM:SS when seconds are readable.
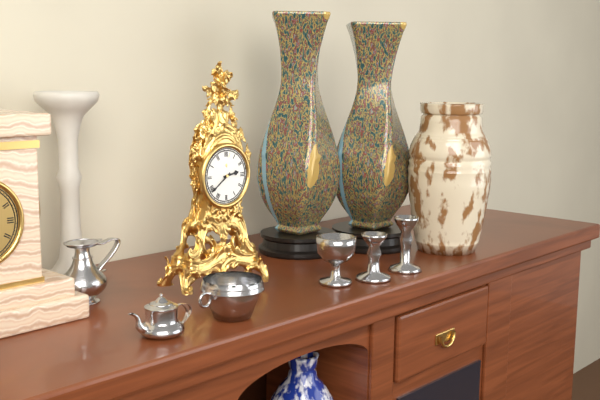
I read **2:39**
